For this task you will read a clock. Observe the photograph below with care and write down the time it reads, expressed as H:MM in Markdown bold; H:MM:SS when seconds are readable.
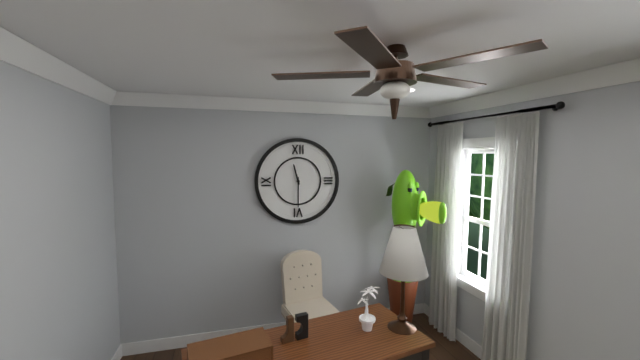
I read **11:30**
